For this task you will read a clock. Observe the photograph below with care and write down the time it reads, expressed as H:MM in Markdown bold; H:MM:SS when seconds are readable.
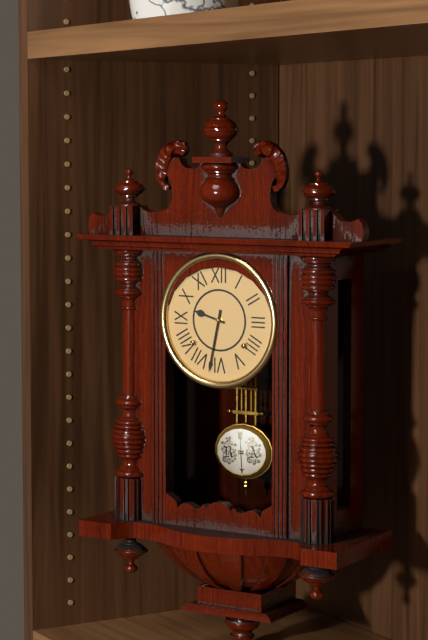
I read **9:32**
